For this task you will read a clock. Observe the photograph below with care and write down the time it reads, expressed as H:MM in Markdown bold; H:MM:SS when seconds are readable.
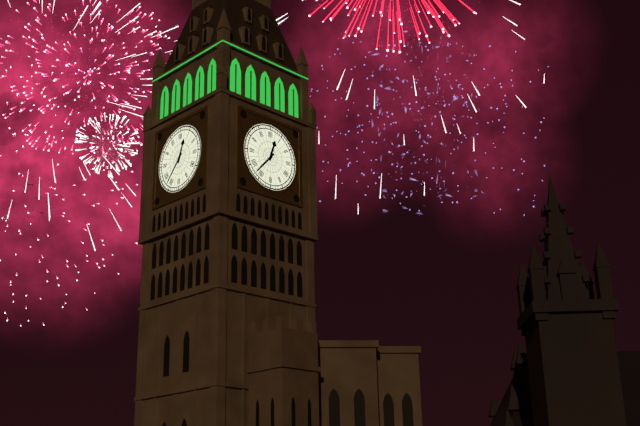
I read **12:37**
